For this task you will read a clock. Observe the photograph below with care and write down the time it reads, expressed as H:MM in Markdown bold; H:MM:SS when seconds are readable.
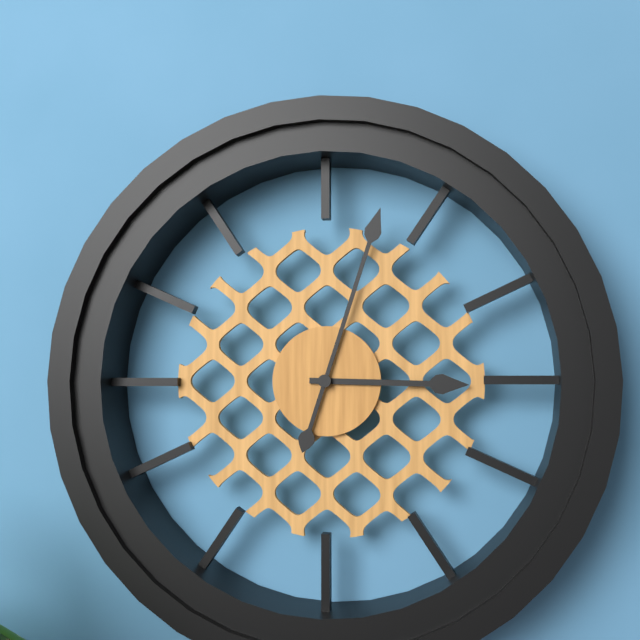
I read **3:03**
